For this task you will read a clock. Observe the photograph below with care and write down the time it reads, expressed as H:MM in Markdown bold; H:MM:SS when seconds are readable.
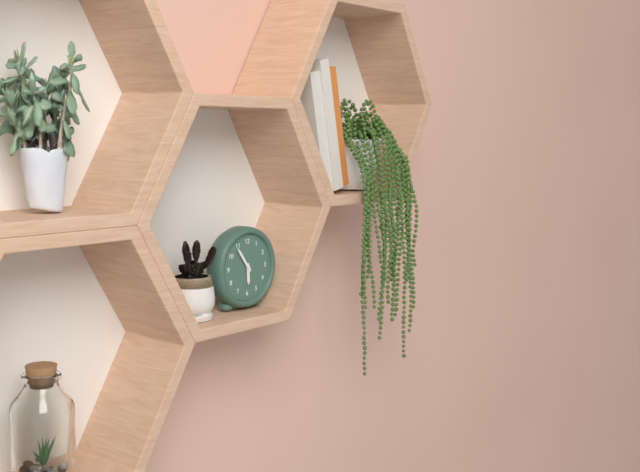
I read **5:54**
